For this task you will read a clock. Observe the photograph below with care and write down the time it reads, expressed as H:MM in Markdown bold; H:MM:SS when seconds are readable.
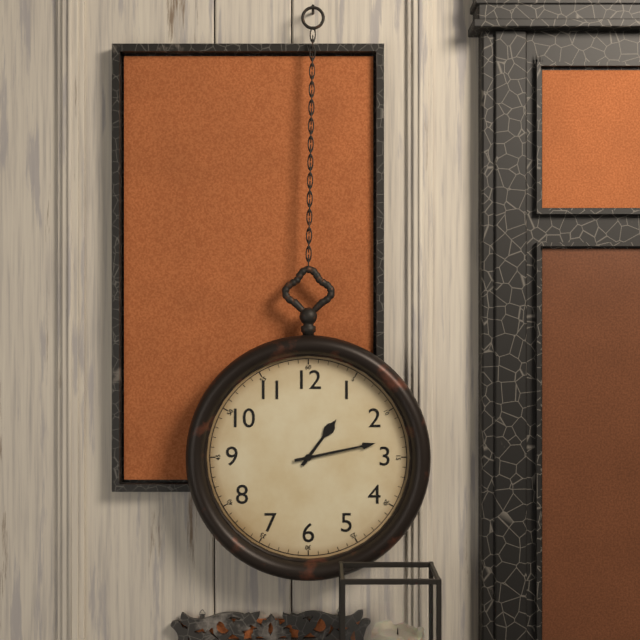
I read **1:13**
